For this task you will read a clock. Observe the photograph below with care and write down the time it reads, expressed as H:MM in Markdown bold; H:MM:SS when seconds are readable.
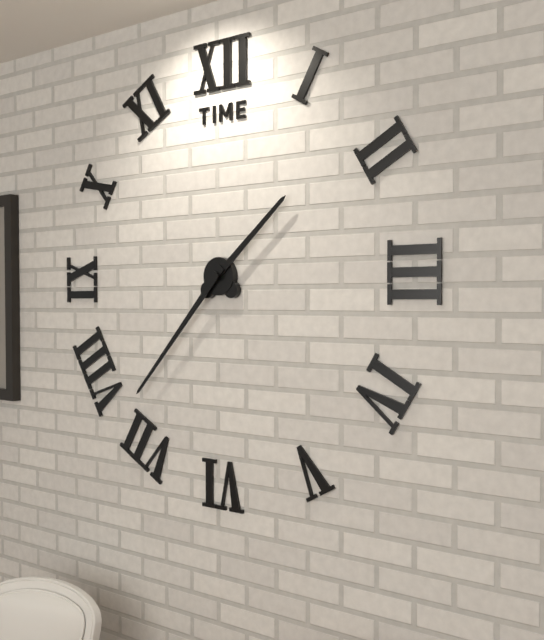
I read **1:37**
